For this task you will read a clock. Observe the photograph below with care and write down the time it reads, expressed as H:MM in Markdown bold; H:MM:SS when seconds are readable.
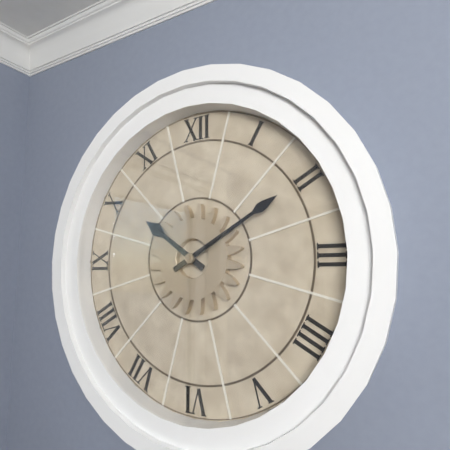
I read **10:10**
